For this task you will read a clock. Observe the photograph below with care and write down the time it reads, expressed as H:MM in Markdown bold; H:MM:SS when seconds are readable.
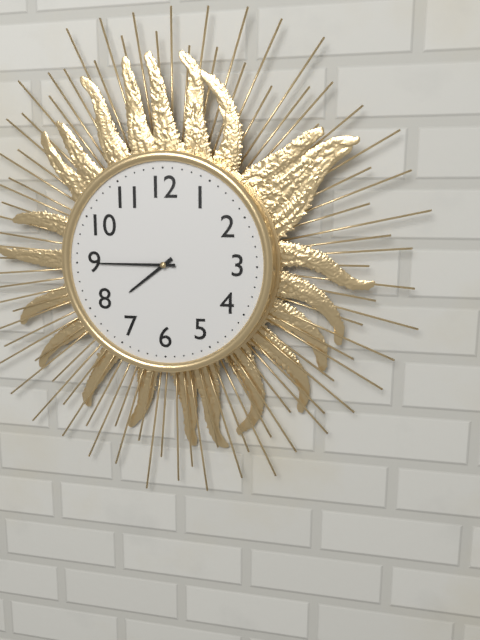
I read **7:45**
